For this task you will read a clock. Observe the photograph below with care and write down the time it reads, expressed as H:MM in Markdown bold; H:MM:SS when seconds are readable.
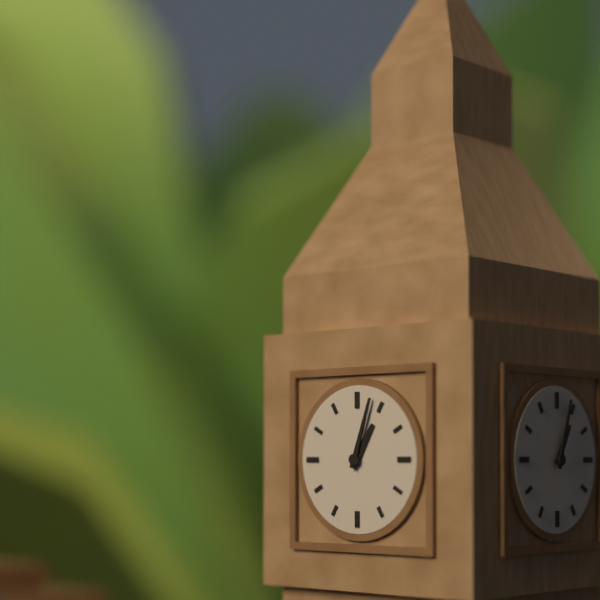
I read **1:03**
